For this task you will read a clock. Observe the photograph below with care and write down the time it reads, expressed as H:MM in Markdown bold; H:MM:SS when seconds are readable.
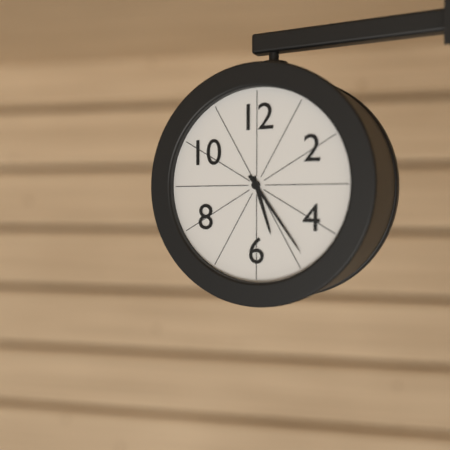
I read **5:24**
